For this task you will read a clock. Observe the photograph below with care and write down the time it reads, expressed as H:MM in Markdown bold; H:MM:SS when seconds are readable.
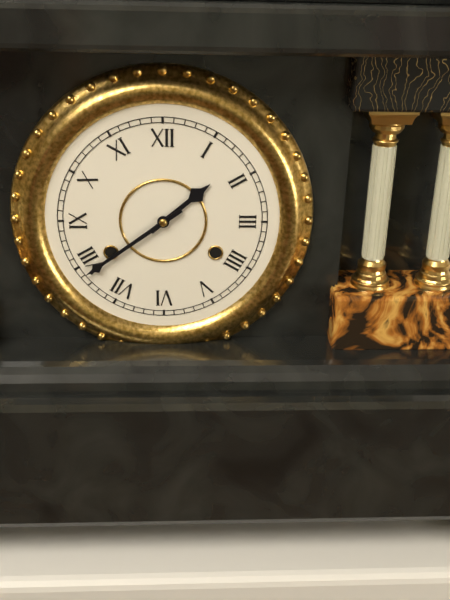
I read **1:39**
